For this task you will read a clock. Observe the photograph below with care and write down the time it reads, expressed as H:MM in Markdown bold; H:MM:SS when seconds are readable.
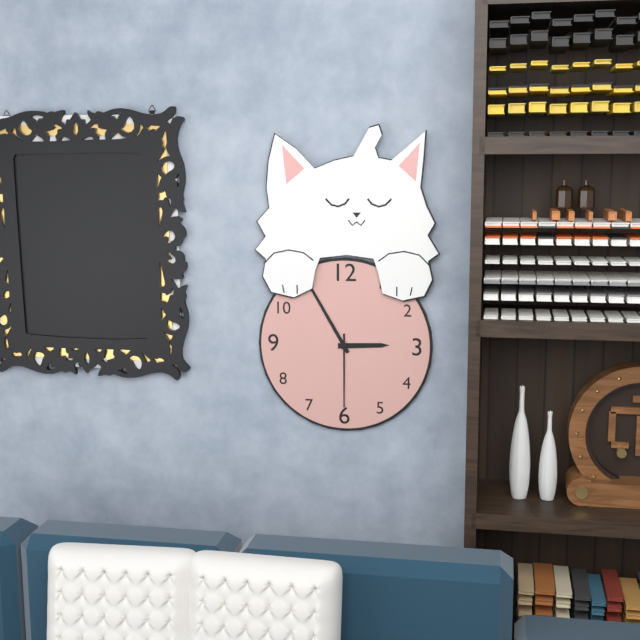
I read **2:55:30**
